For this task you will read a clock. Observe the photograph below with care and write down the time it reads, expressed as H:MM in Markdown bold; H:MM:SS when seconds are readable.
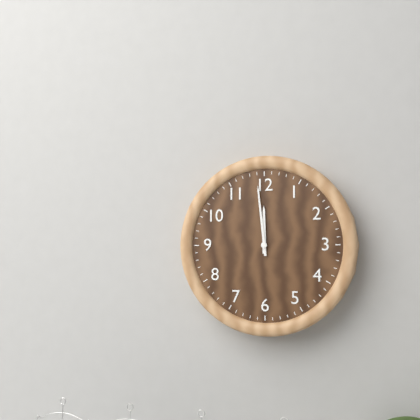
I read **11:59**
